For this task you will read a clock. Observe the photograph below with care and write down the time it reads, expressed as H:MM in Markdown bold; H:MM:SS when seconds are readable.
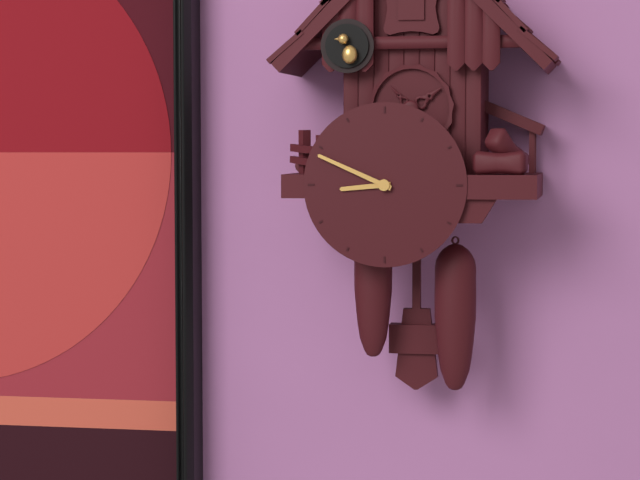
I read **8:49**
